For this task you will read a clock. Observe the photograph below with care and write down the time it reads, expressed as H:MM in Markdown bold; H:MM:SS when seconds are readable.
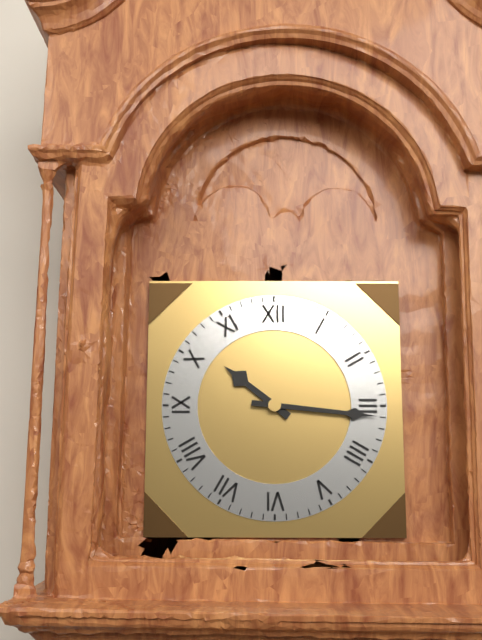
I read **10:16**
